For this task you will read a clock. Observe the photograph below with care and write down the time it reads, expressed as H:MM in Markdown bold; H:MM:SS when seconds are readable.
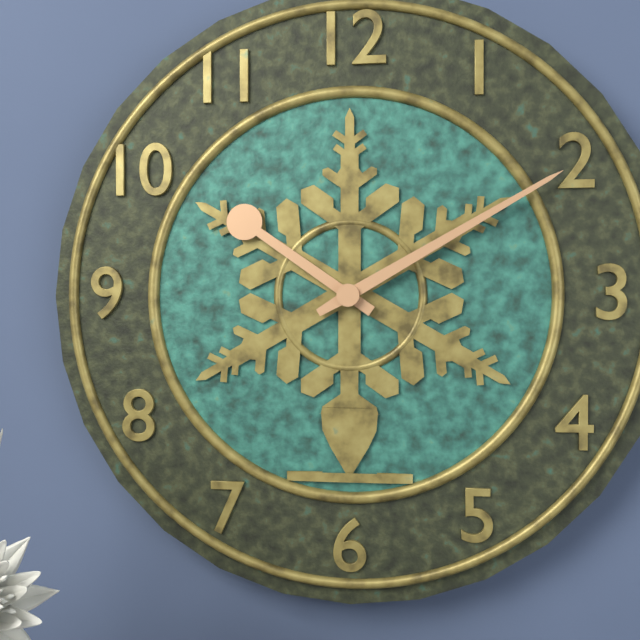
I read **10:10**
